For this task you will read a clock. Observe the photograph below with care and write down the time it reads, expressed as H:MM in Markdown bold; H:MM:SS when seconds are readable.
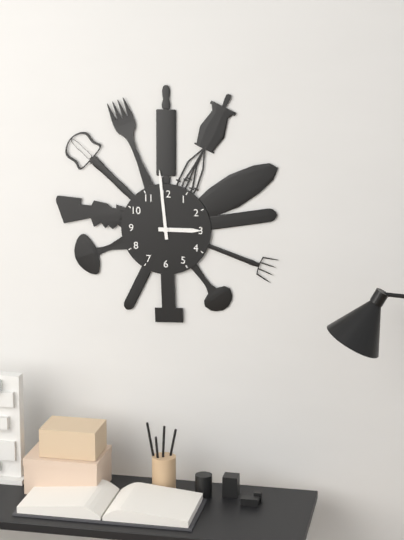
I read **2:59**
